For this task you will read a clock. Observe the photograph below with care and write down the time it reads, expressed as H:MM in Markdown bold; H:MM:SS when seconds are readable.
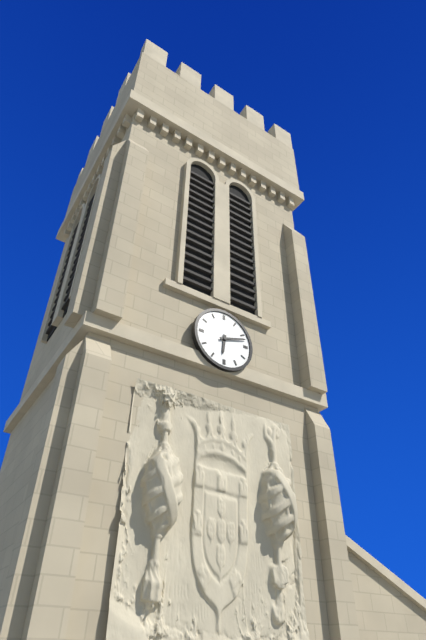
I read **6:12**
